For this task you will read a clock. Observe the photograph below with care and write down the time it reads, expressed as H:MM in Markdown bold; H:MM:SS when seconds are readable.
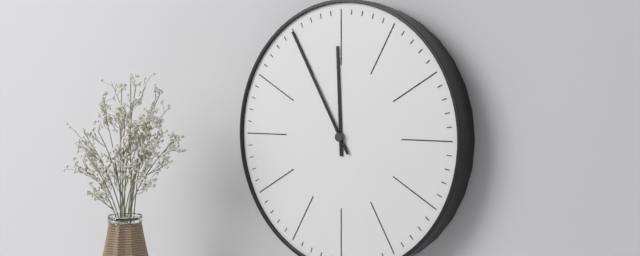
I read **11:55**
